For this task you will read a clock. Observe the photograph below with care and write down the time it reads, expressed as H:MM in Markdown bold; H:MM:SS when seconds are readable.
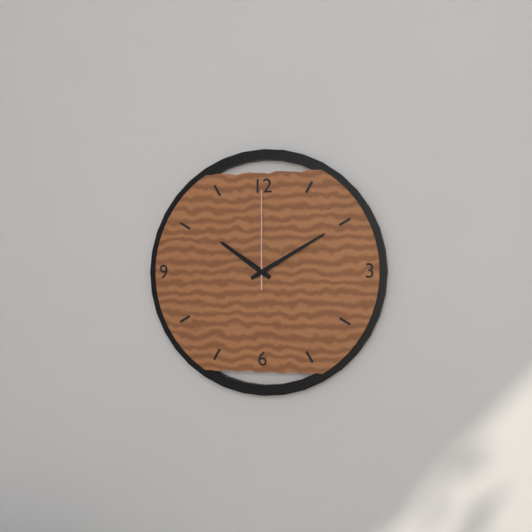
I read **10:10:00**
